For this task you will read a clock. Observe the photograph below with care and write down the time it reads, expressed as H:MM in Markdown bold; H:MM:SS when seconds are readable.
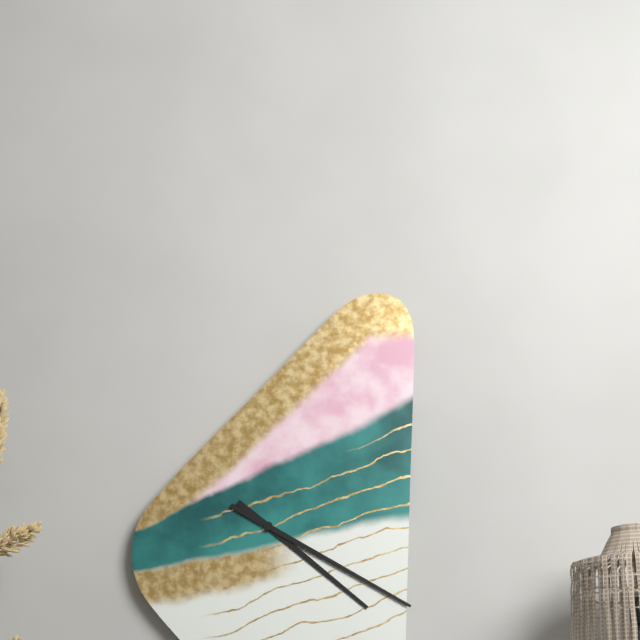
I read **4:20**
